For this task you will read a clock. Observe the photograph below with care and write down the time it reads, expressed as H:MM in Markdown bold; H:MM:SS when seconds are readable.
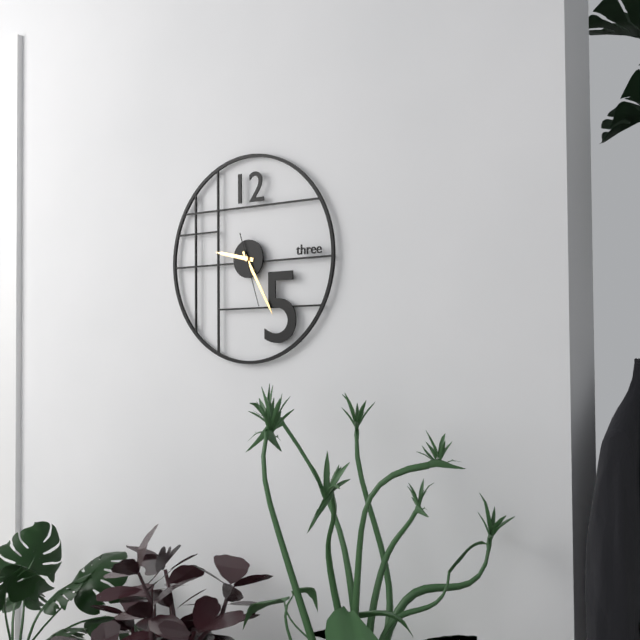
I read **9:25:27**
